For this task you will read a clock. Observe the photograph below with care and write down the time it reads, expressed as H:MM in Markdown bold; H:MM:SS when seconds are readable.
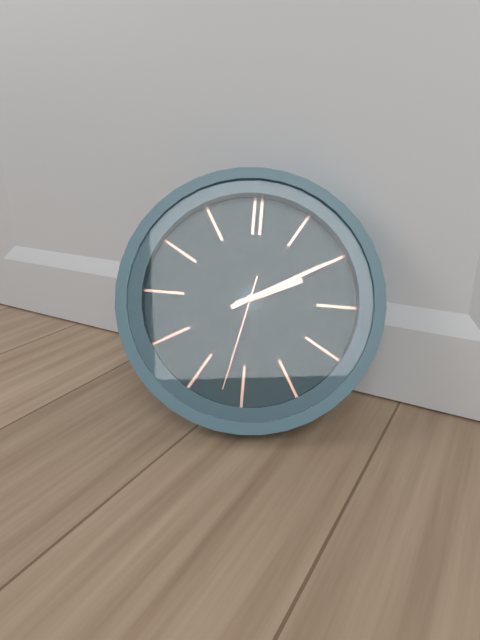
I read **2:10:32**
